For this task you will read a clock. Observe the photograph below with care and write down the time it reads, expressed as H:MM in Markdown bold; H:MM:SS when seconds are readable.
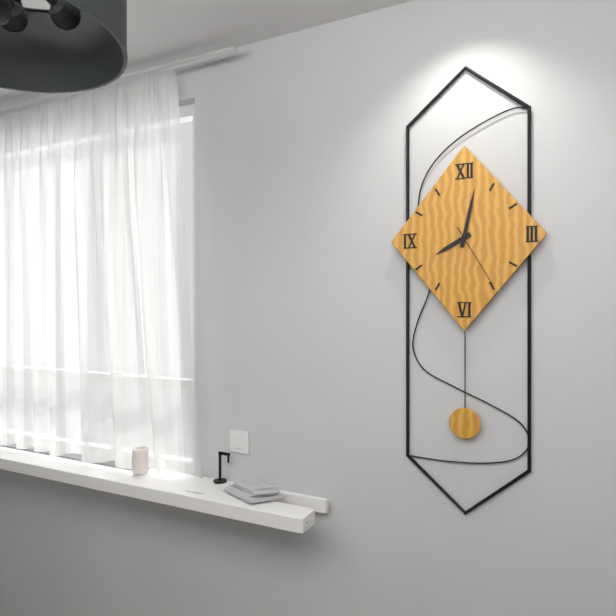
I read **8:02:25**
